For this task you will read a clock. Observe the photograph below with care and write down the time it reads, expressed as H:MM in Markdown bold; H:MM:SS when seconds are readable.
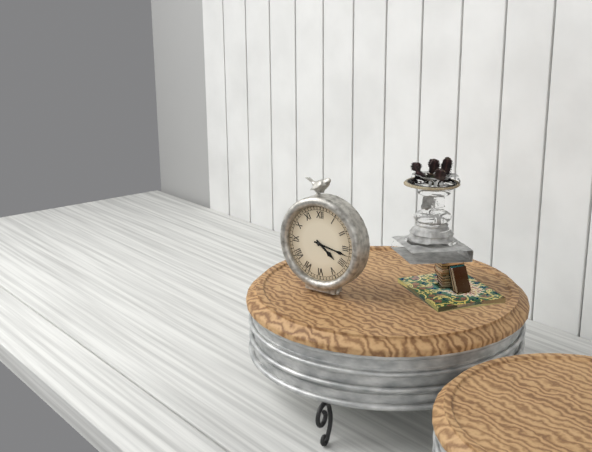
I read **4:17**
